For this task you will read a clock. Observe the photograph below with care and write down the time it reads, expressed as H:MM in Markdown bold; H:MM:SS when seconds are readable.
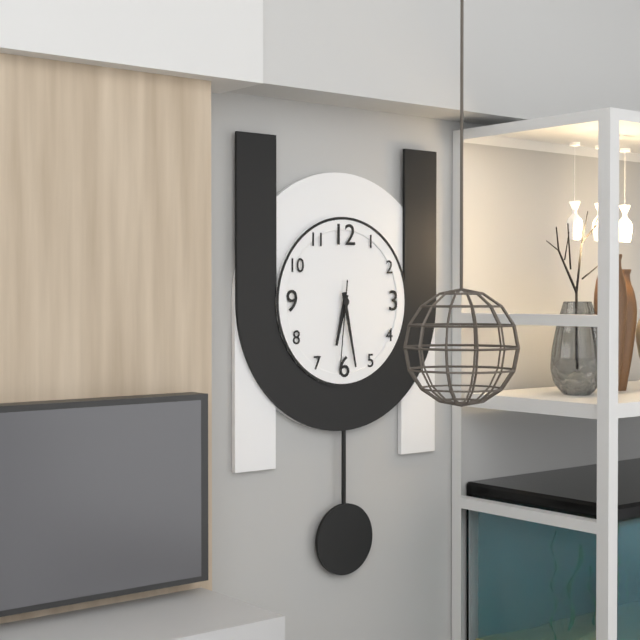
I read **6:28:31**
